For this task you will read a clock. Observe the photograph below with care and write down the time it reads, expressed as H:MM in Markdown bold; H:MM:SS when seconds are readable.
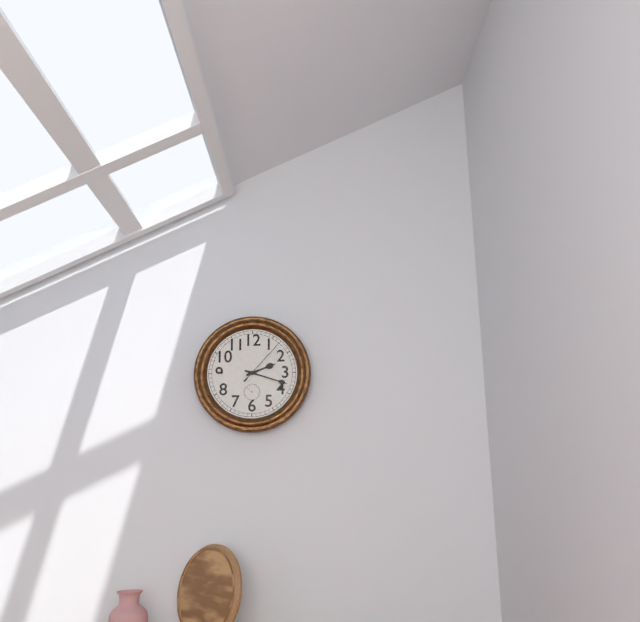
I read **2:18:07**
